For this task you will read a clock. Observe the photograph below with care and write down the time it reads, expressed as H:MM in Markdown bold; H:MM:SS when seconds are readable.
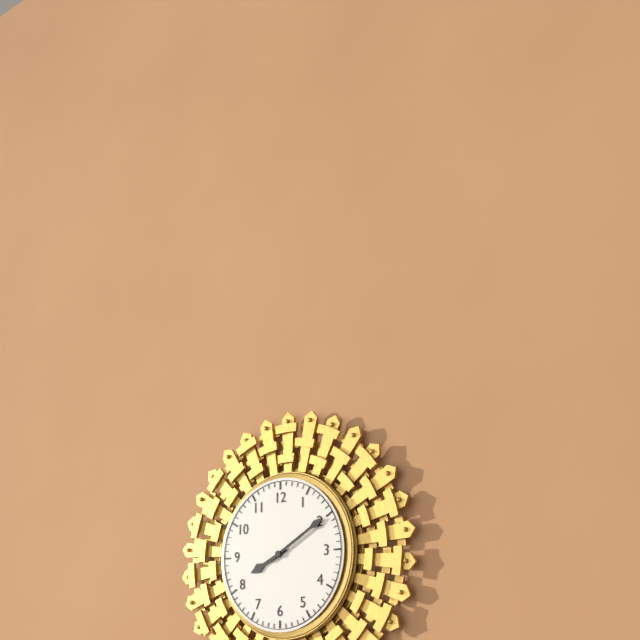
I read **8:10**
